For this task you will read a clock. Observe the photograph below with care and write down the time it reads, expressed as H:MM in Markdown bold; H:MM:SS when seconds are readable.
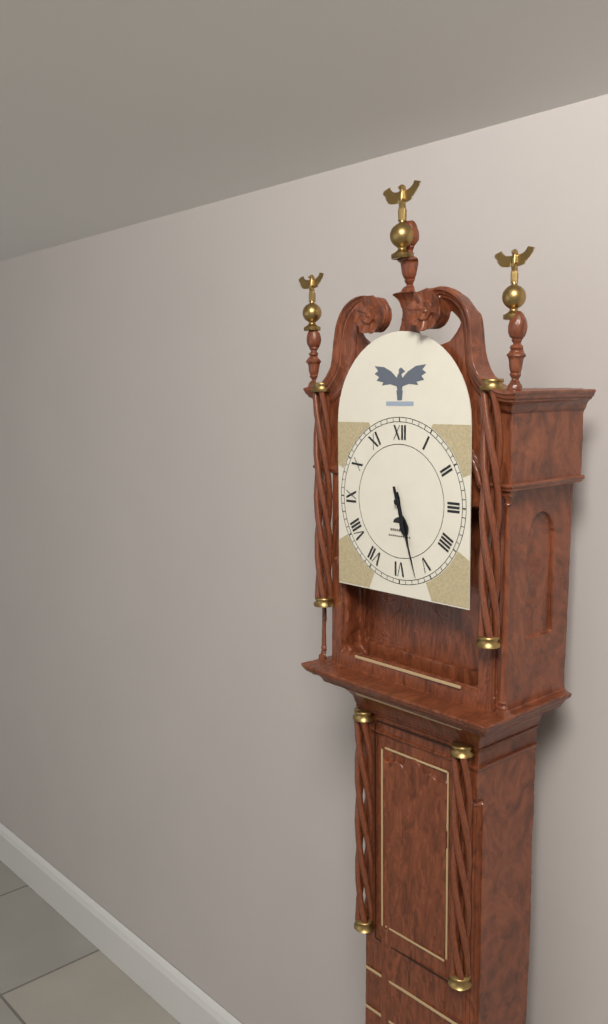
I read **5:27**
